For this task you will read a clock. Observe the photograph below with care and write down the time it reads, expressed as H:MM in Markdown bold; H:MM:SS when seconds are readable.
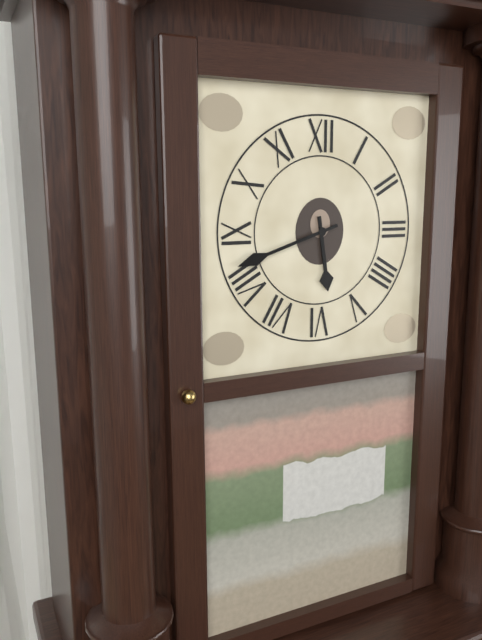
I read **5:42**
